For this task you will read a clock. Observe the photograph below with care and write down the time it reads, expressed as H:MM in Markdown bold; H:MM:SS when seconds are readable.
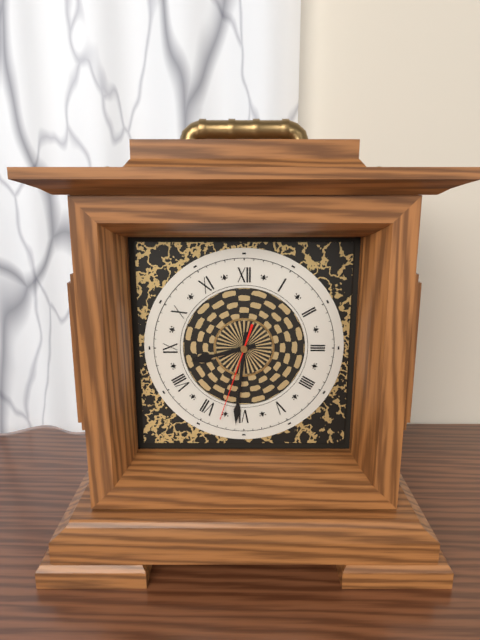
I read **8:31:33**
